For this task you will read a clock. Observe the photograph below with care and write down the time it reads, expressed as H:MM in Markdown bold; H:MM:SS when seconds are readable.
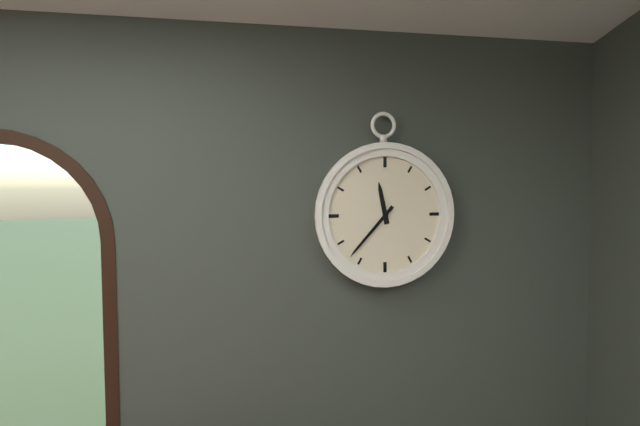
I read **11:37**
